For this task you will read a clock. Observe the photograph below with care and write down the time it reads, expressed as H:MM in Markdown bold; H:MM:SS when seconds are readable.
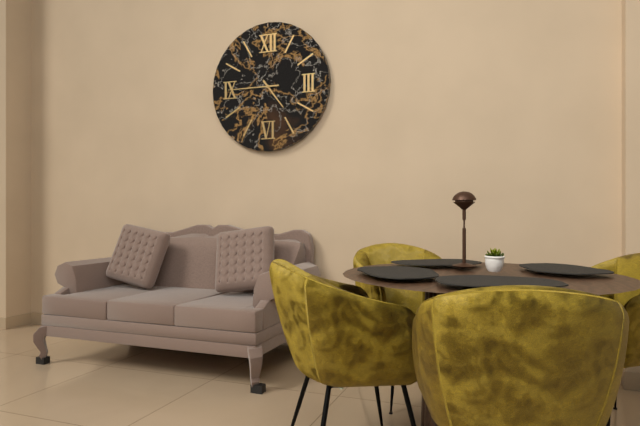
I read **4:45**
